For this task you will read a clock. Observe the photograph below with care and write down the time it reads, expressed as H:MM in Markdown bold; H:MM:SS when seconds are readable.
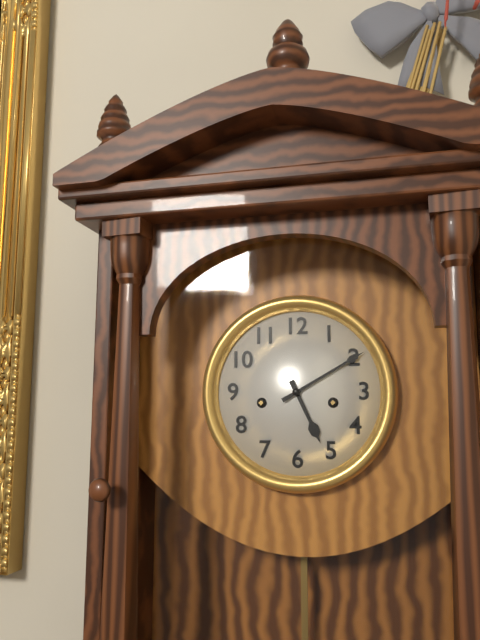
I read **5:10**
